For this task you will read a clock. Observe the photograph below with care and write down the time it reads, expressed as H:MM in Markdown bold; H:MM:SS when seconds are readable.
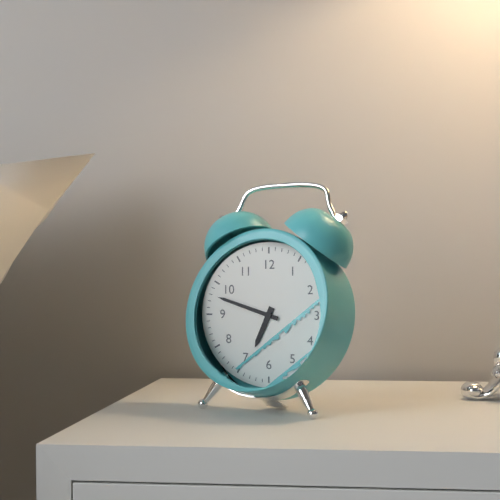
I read **6:48**
